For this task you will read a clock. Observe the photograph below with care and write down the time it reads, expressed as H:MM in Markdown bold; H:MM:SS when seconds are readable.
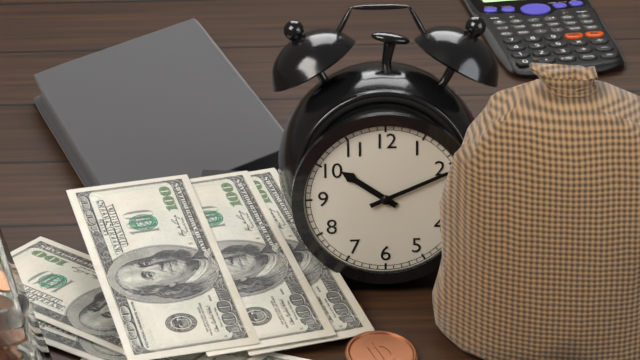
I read **10:11**
